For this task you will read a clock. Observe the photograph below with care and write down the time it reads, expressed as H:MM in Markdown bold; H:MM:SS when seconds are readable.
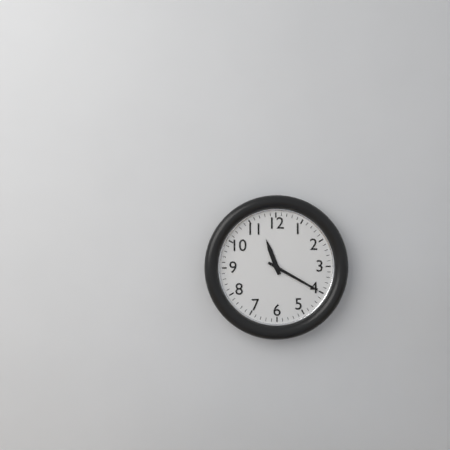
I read **11:20**
